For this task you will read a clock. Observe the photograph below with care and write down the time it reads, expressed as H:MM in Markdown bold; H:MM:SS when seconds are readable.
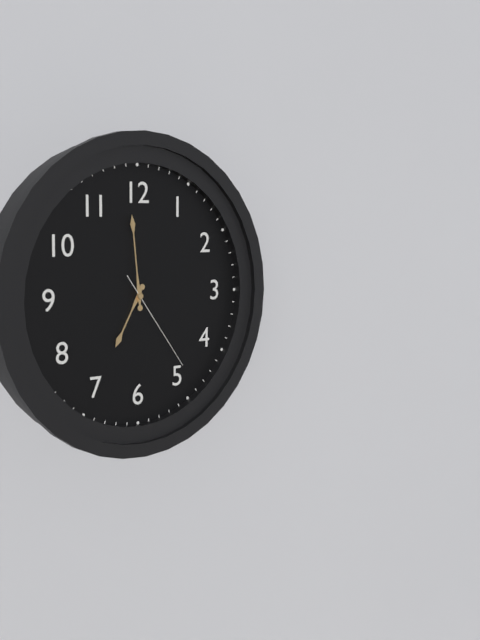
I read **6:59:24**
